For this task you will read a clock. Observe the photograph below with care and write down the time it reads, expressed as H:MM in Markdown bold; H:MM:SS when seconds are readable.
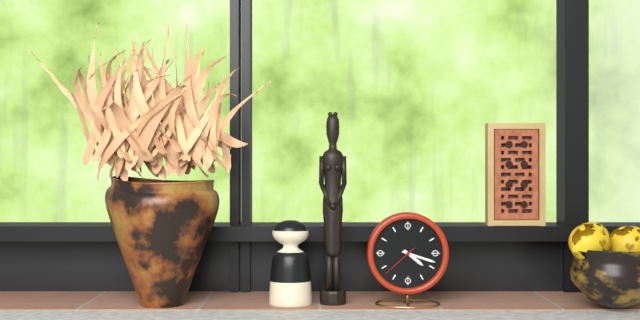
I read **4:18**
